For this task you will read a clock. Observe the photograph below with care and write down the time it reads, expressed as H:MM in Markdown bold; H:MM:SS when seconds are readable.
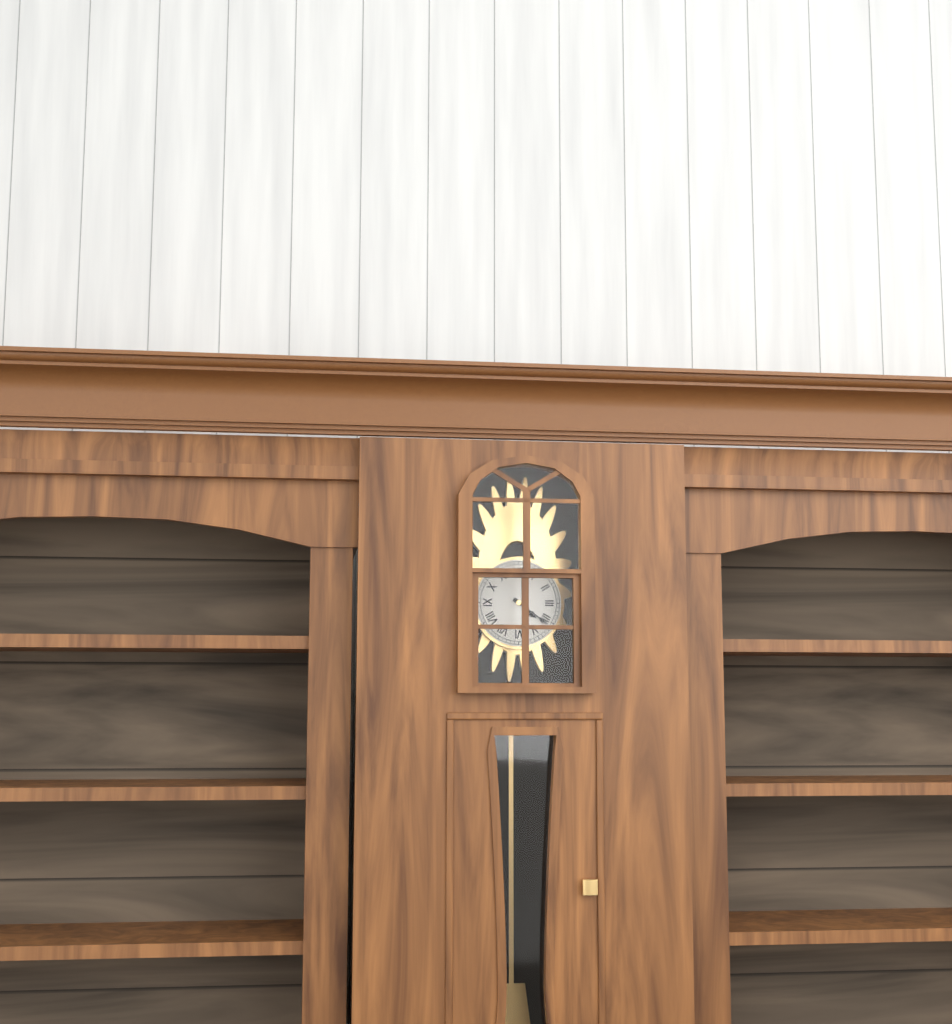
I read **4:21**
